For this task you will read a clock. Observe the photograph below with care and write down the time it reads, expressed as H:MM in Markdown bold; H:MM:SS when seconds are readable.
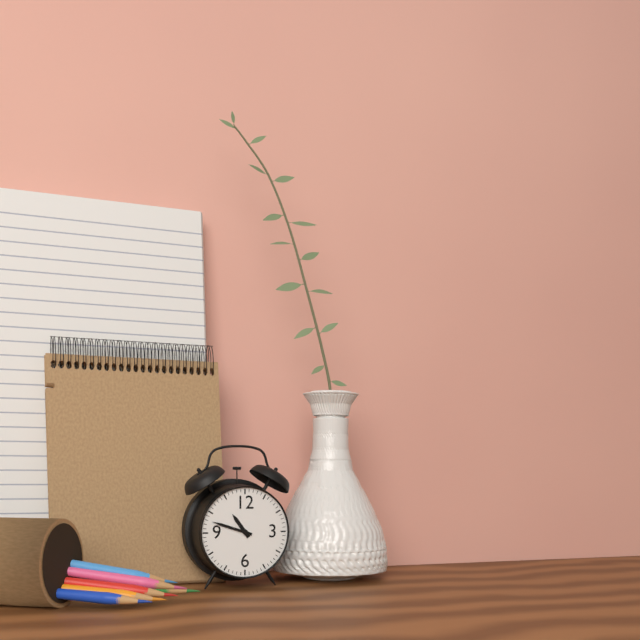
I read **10:48**
